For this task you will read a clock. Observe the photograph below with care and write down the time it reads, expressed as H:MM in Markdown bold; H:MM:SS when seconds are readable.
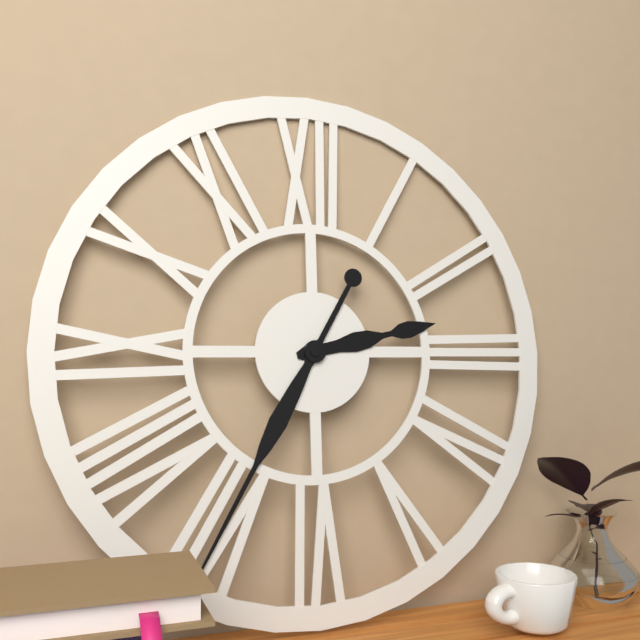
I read **2:35**
